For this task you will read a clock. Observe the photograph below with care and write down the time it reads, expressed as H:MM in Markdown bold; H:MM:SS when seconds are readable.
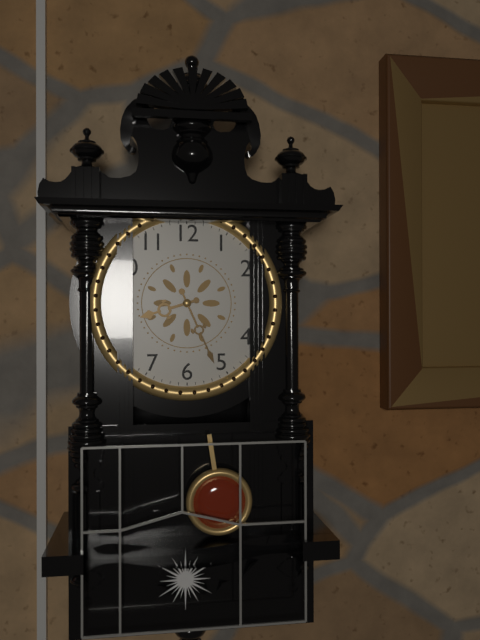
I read **8:26**
